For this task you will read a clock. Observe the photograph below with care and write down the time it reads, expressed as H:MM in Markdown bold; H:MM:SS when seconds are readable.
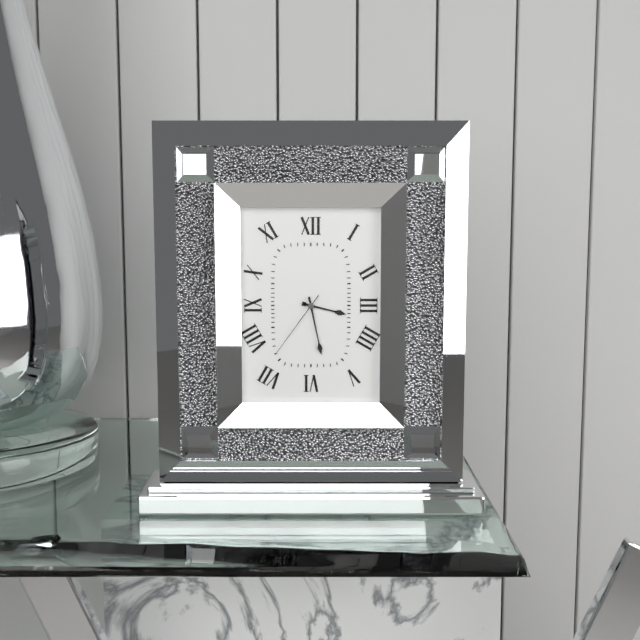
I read **3:28:36**
